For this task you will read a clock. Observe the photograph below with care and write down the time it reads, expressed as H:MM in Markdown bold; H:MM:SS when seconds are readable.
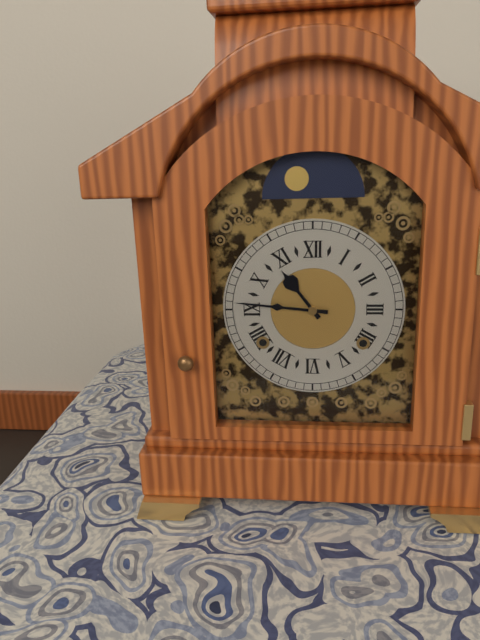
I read **10:46**
